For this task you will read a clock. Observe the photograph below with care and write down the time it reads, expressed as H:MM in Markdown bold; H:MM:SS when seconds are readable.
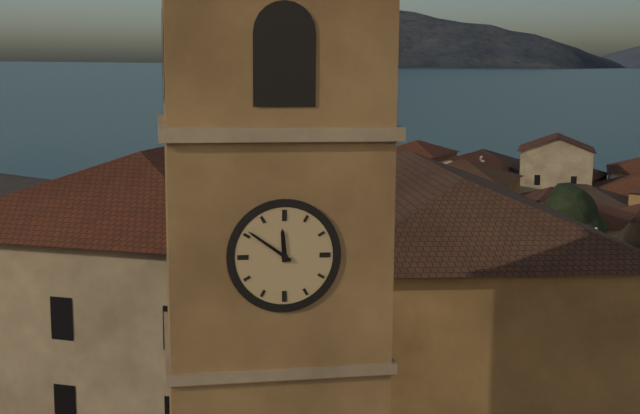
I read **11:51**
